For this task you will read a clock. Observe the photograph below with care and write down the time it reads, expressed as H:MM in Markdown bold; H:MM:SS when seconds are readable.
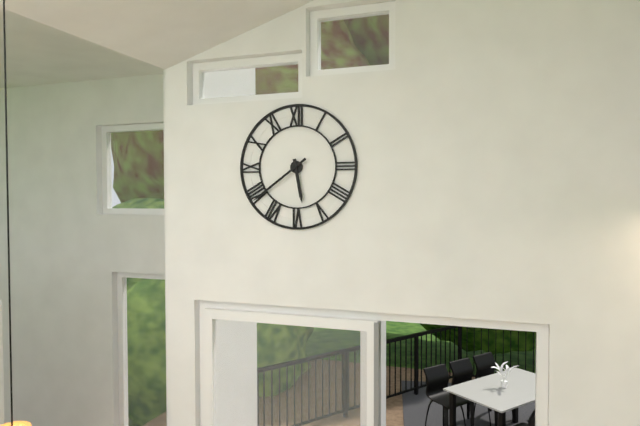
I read **5:39**
